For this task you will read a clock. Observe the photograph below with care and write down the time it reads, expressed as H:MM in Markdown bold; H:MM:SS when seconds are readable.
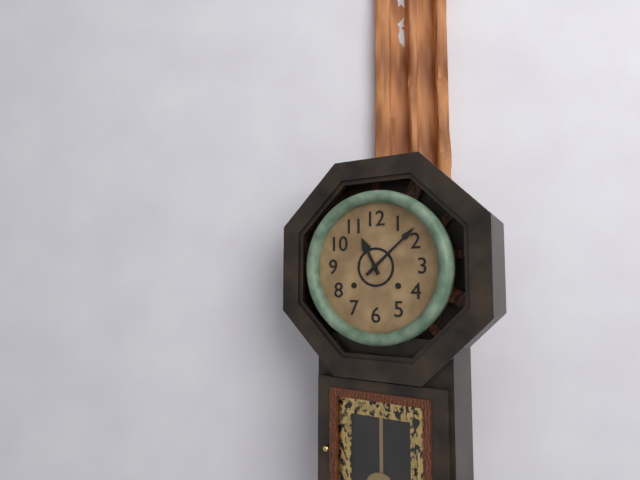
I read **11:08**
